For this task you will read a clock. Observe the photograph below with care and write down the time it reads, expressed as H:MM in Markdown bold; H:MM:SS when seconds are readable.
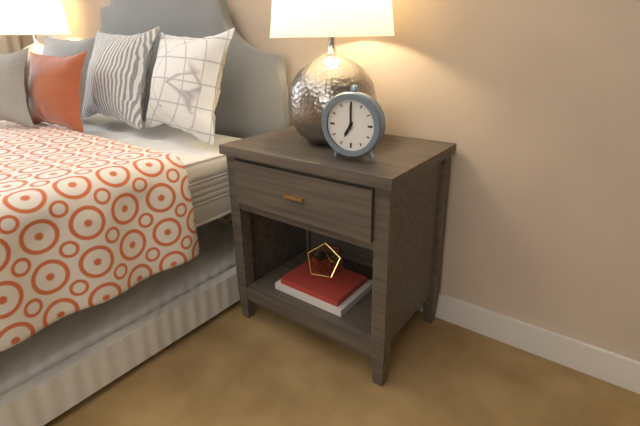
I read **7:00**
